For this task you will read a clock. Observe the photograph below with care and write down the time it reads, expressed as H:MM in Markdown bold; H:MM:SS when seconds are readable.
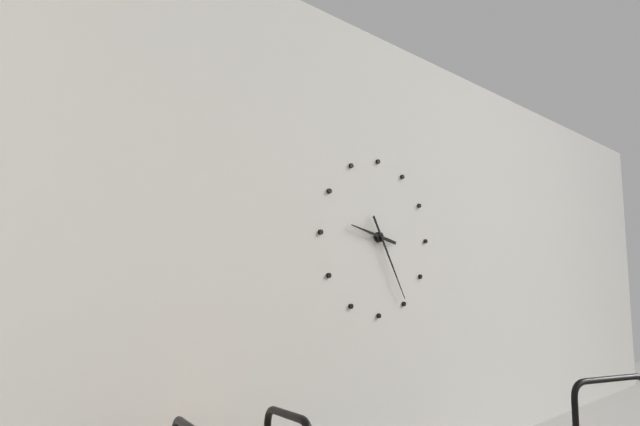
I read **9:25**
